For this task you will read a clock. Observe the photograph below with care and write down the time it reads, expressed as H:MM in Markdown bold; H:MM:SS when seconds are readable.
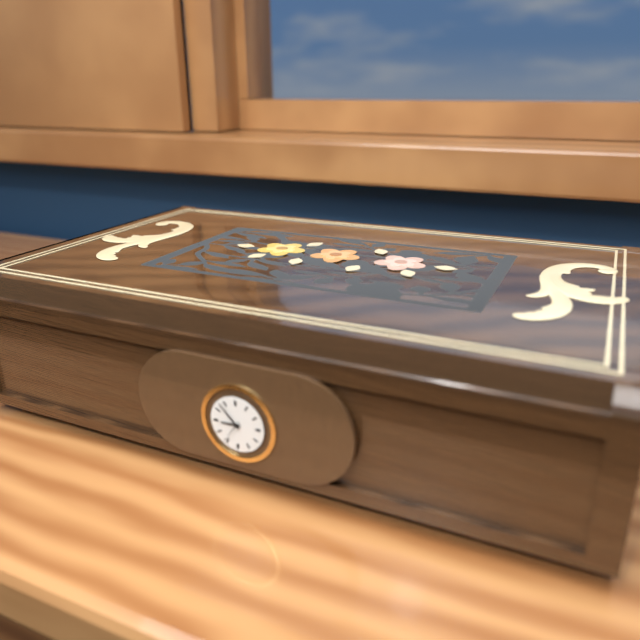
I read **8:53:36**
